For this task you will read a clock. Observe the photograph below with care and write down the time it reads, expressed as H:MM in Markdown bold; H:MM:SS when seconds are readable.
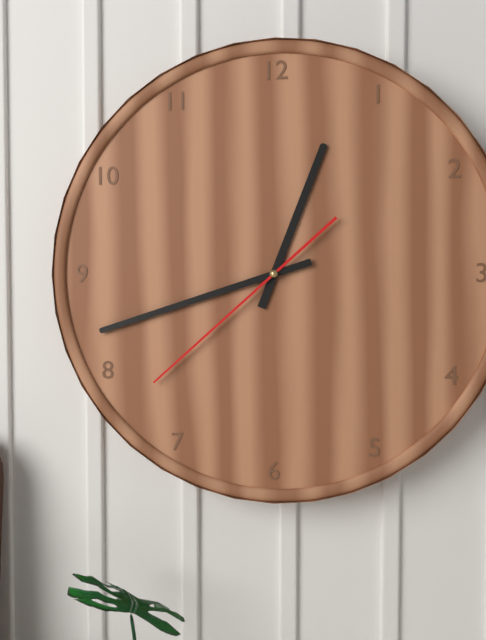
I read **12:42:38**
